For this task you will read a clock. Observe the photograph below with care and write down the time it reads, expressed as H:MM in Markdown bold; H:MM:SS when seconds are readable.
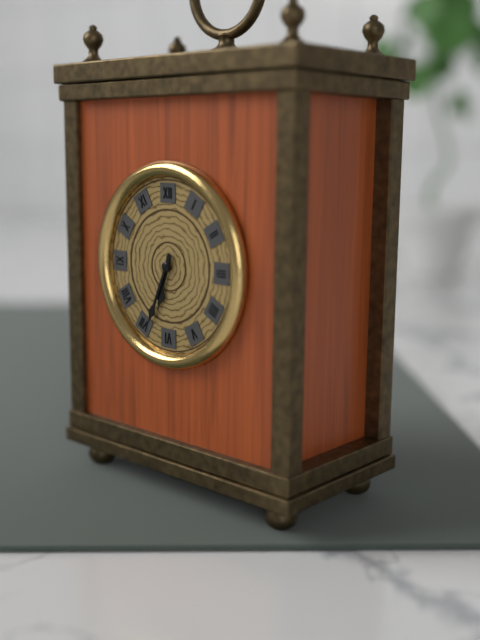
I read **6:34**
